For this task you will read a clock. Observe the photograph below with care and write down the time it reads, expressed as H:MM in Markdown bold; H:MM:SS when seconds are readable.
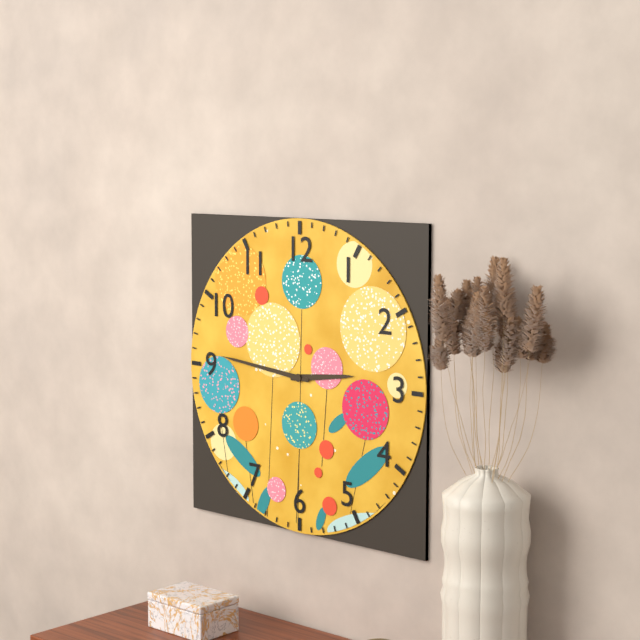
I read **2:46**
